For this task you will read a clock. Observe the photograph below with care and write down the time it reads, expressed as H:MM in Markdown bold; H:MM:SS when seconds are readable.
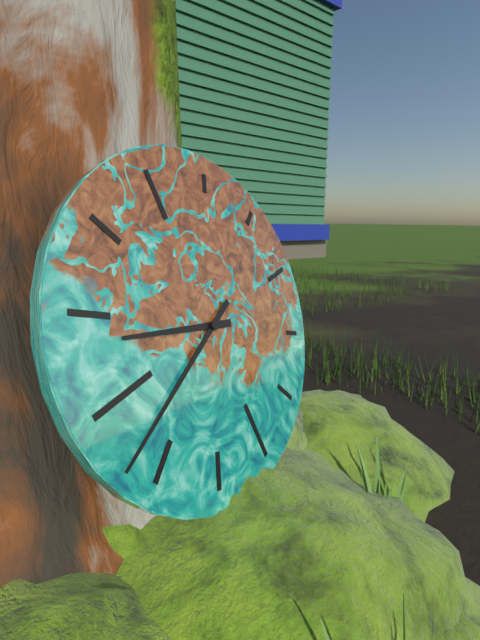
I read **9:42**
